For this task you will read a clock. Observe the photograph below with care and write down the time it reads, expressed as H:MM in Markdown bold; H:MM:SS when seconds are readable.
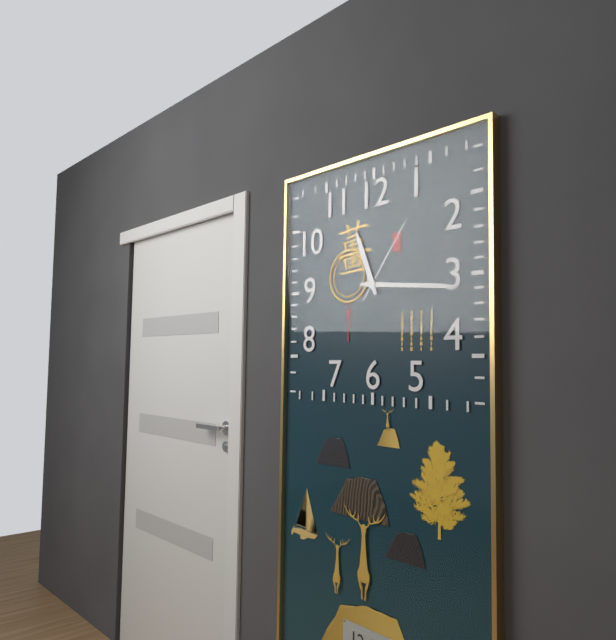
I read **11:16:06**
